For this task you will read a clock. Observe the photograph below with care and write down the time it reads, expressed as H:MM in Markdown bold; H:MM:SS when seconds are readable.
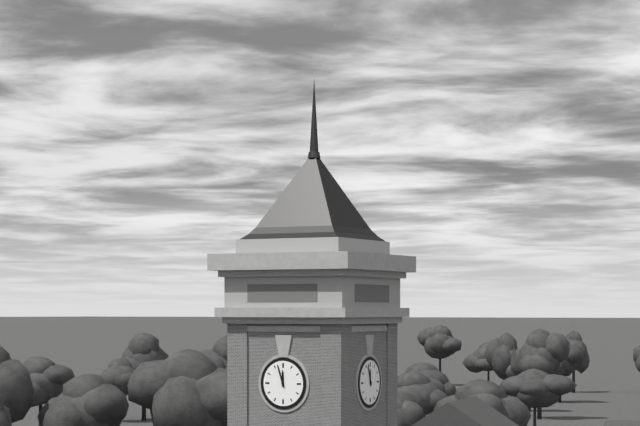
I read **11:57**
